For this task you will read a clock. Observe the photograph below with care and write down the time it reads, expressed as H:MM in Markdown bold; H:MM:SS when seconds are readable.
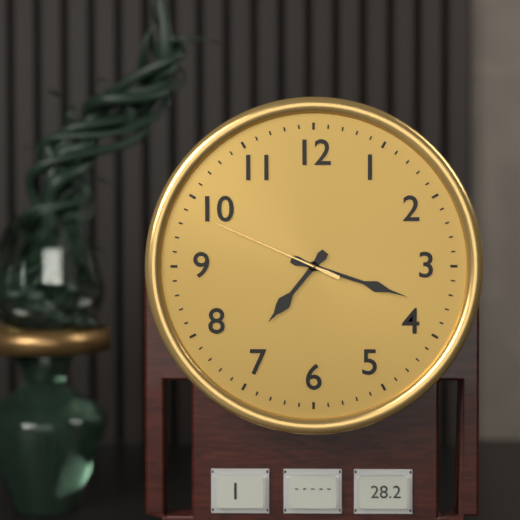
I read **7:18:49**
